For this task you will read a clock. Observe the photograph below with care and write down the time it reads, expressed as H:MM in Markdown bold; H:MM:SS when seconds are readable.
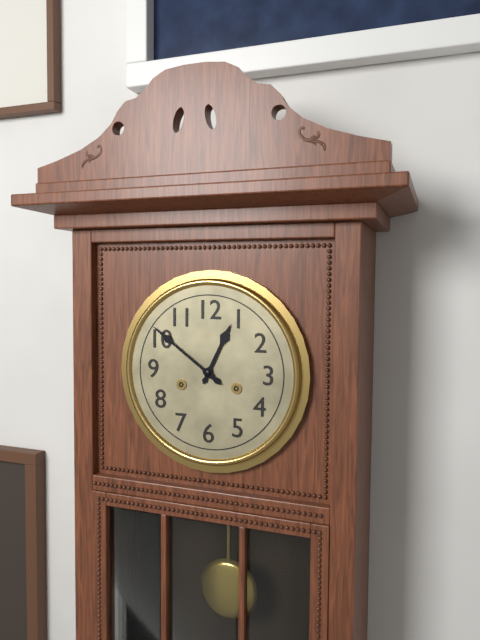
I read **12:51**
